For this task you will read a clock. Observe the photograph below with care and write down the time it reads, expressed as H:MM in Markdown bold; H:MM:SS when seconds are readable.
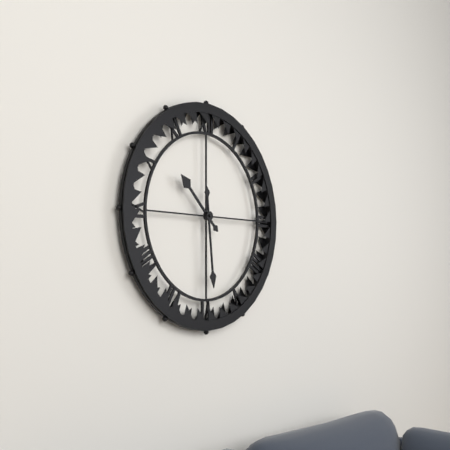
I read **10:29**
